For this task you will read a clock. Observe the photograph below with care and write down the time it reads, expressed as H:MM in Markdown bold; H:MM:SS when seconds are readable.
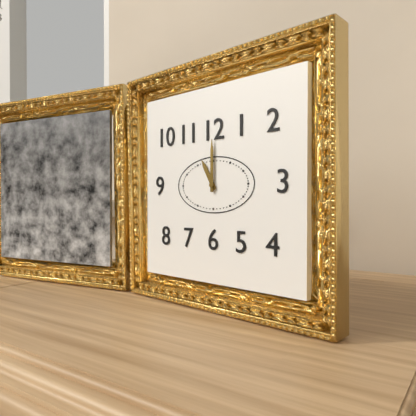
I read **11:00**
